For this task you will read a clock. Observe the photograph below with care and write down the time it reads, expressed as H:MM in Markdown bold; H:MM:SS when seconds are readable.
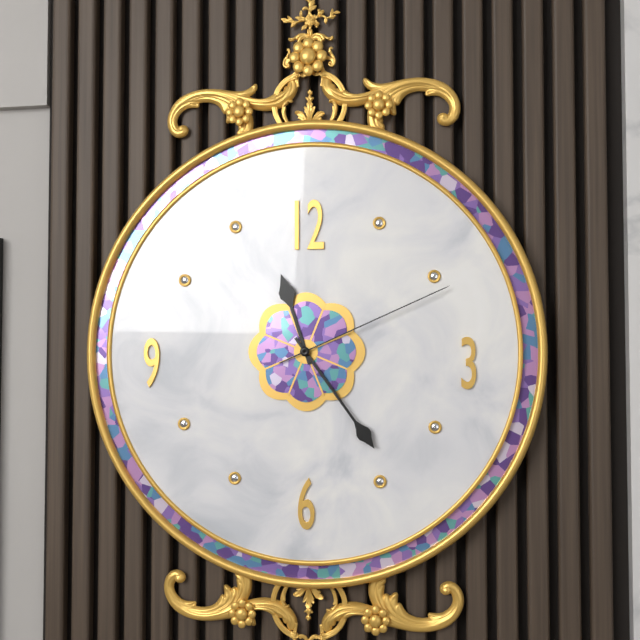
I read **11:24:11**
